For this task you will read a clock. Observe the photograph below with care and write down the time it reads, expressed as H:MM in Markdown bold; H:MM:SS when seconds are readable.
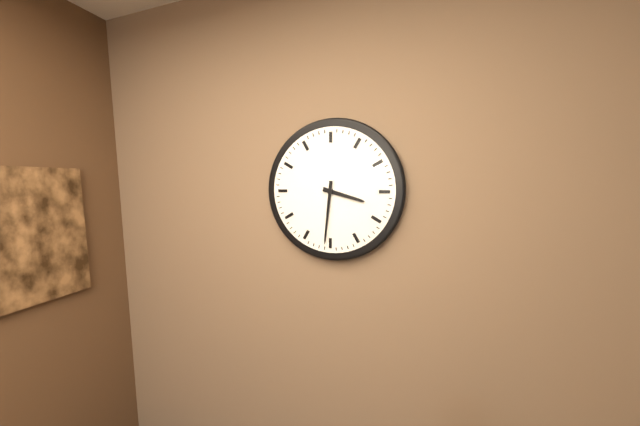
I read **3:31**
